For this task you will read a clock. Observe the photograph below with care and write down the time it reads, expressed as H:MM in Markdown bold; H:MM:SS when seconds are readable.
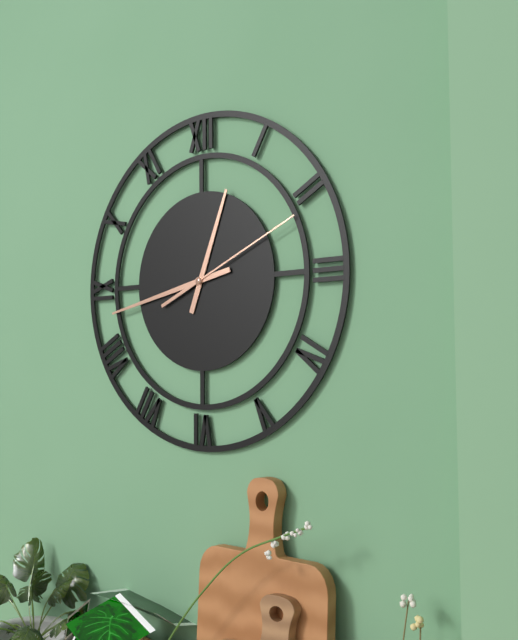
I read **12:43:11**
